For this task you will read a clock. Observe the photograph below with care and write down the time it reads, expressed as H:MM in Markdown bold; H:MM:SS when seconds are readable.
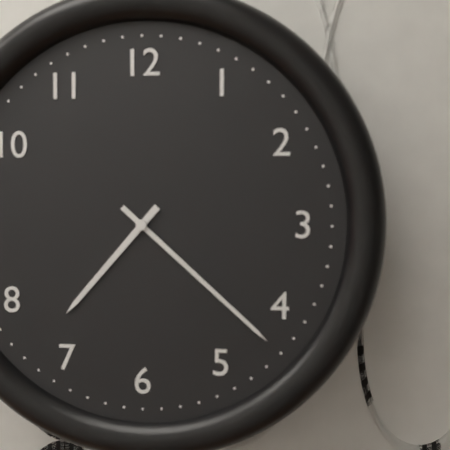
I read **7:22**
